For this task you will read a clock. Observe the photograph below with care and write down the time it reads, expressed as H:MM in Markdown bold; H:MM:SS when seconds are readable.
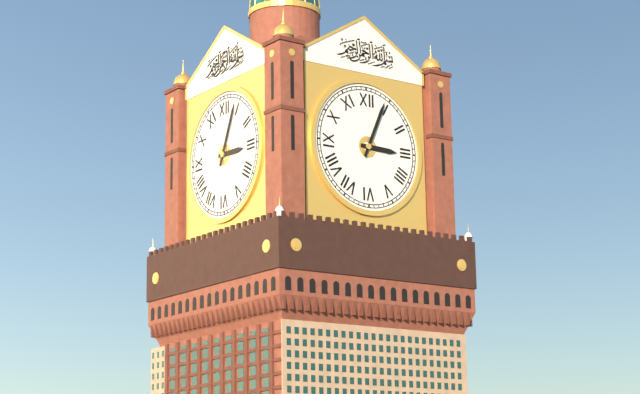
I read **3:04**
